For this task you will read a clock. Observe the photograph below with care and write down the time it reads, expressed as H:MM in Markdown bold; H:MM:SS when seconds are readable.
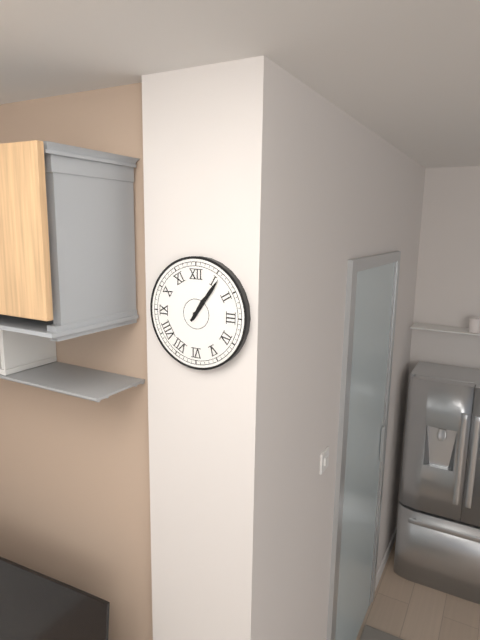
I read **1:06**
